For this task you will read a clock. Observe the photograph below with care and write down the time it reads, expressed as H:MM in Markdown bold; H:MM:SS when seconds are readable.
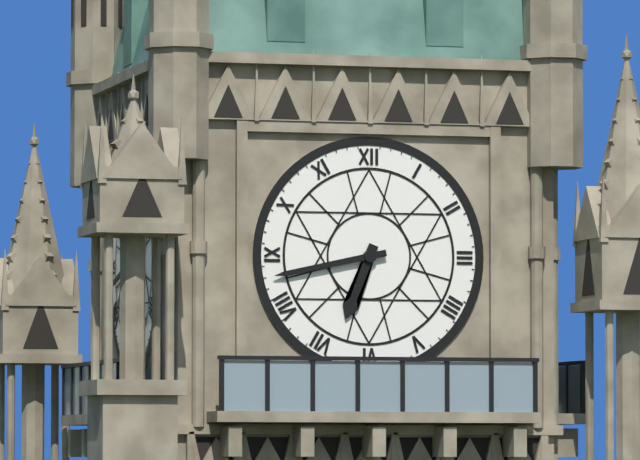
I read **6:43**
